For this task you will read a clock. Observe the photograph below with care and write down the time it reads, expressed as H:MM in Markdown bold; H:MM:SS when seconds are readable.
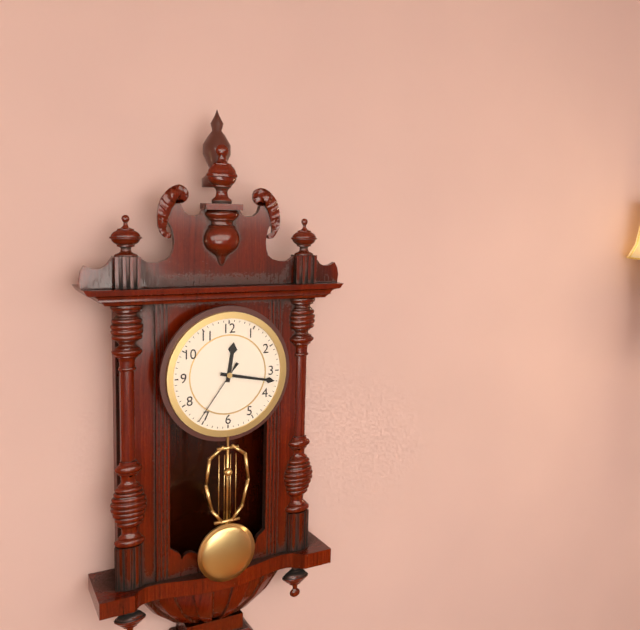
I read **12:17:36**
